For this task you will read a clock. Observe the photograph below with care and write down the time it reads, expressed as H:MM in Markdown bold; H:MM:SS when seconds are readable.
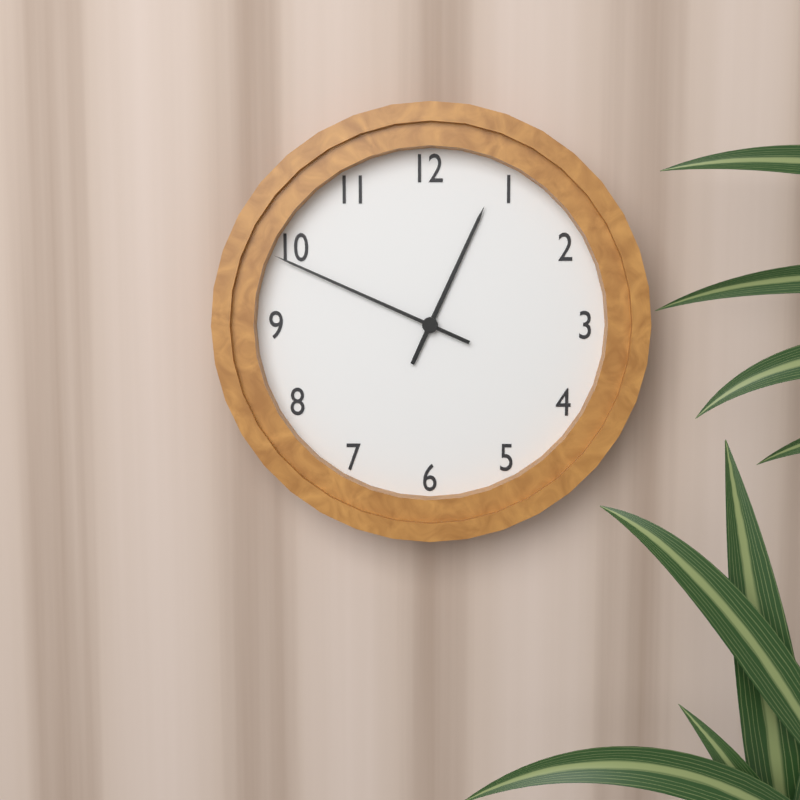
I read **12:49**
